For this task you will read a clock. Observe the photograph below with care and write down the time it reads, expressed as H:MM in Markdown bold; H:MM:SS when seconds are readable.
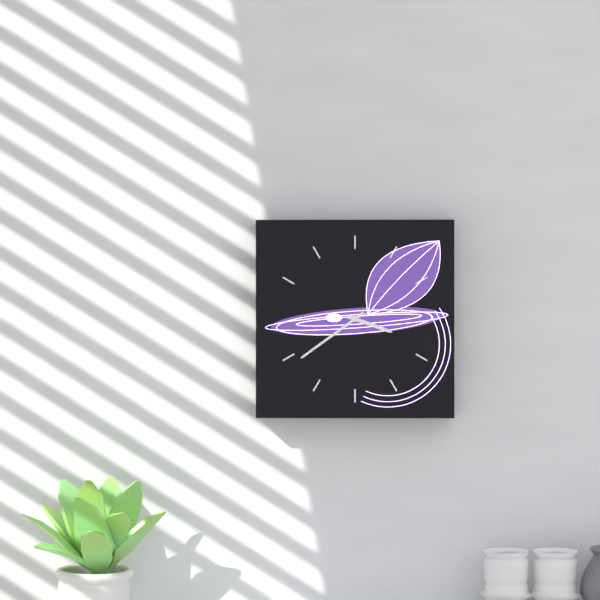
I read **3:39**
